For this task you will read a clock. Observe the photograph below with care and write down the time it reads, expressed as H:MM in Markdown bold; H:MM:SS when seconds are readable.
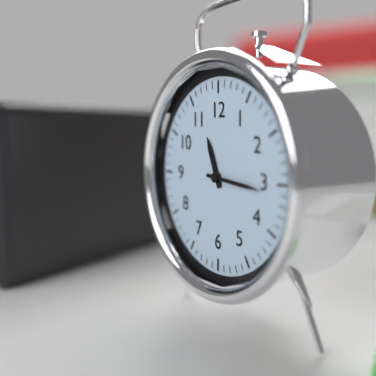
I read **11:16**
